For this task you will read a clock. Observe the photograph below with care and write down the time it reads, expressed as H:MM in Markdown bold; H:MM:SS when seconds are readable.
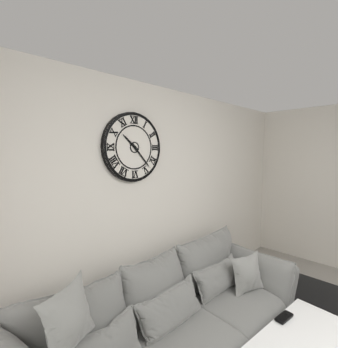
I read **10:23**
